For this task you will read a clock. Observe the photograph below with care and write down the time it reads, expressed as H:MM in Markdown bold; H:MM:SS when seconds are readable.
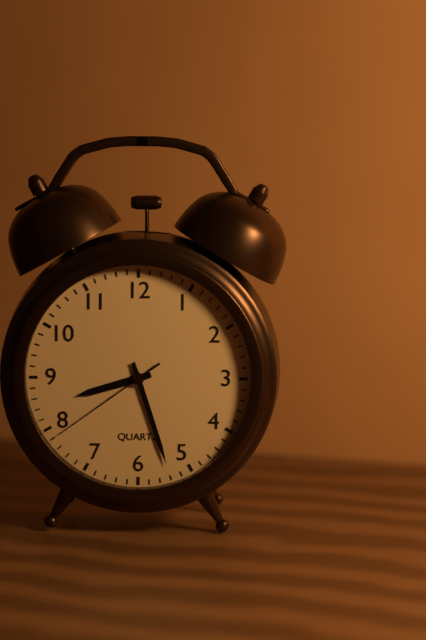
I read **8:27:39**
